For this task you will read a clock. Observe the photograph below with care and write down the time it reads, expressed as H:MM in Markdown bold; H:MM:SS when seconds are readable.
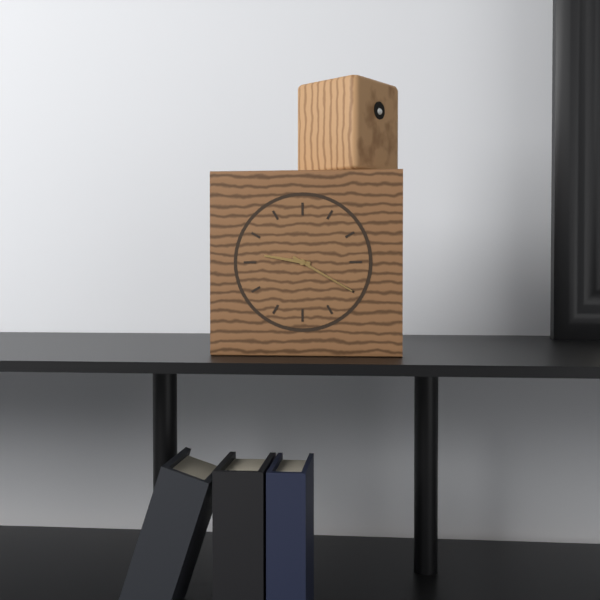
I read **9:20**
